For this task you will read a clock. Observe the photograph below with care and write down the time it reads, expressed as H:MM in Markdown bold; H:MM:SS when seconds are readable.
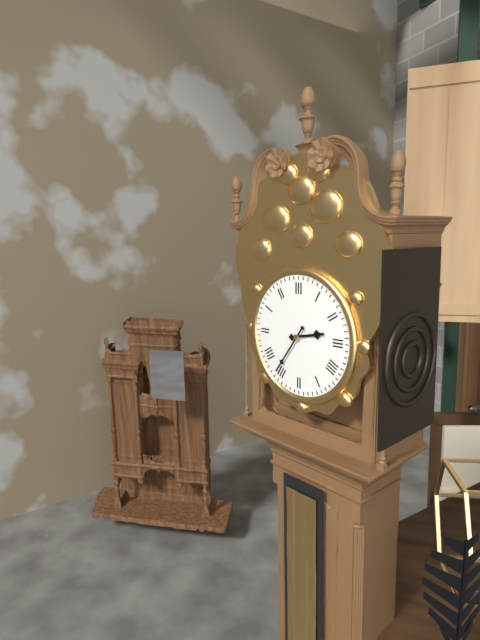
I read **2:36**
